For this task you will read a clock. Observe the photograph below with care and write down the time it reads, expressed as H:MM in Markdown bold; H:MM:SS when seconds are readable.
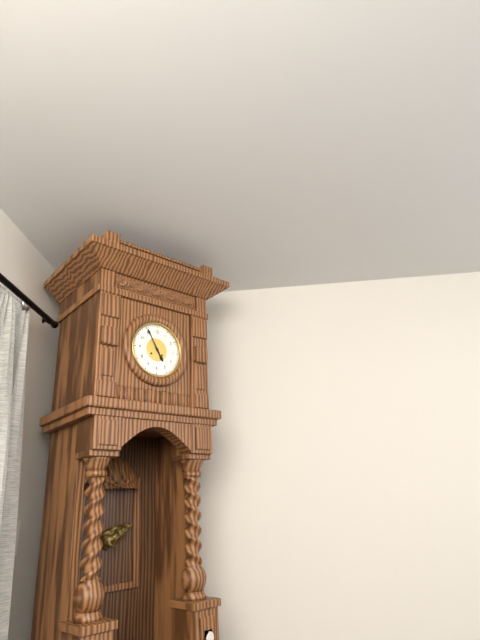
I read **4:55**
